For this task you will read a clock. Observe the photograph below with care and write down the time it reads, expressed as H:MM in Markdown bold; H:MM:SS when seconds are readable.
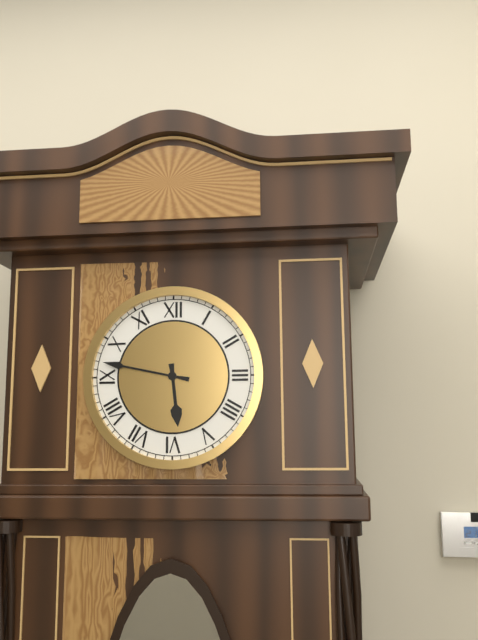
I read **5:47**
